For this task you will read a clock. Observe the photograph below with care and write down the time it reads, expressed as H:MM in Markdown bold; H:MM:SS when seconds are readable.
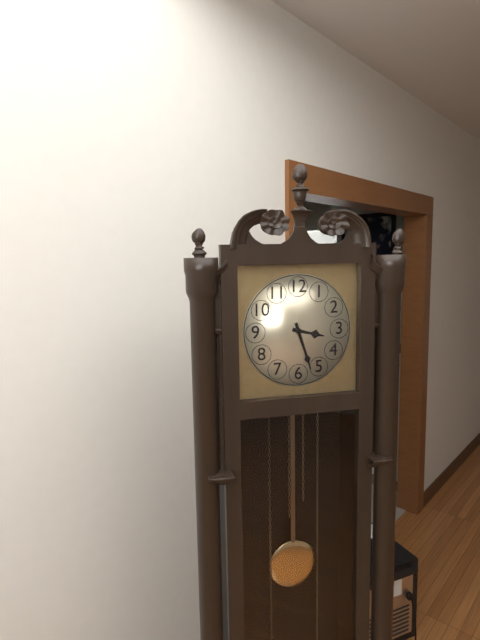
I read **3:27**
